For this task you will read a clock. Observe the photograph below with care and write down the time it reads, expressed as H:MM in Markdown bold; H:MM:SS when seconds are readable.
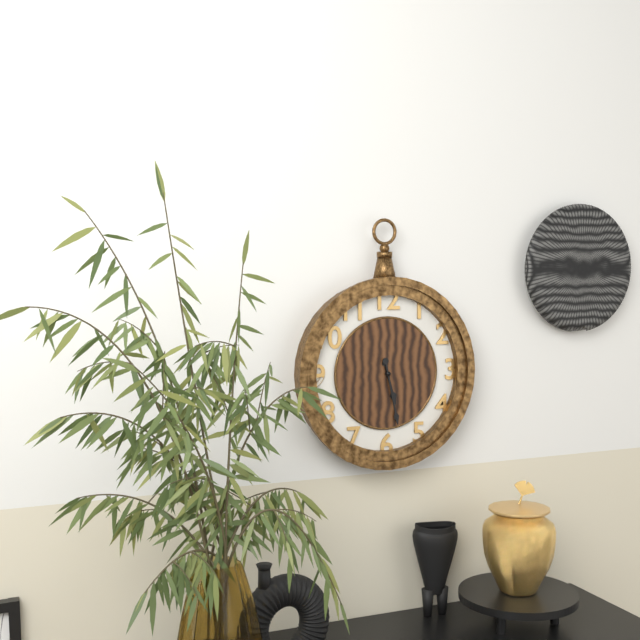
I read **5:28**
